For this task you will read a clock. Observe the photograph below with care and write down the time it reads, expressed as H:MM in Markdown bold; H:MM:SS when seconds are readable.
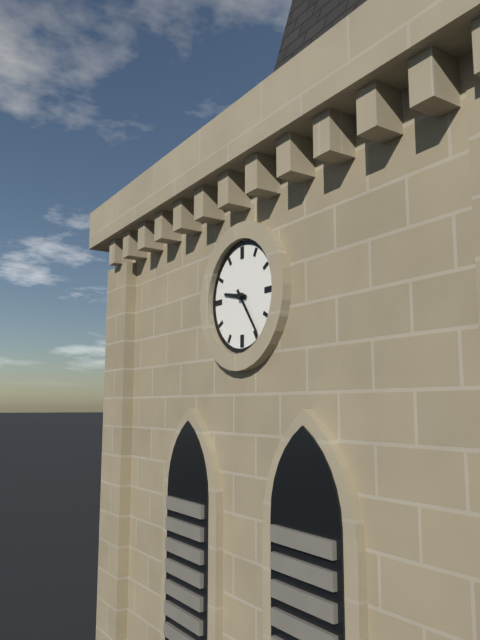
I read **9:24**
